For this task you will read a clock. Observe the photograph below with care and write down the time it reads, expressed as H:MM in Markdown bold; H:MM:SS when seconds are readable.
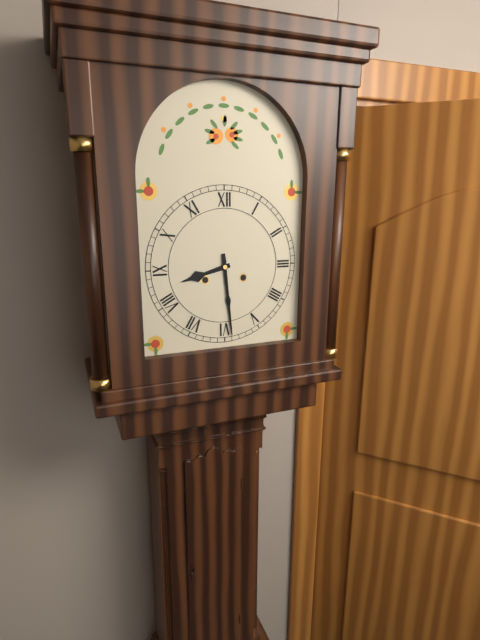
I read **8:29**
